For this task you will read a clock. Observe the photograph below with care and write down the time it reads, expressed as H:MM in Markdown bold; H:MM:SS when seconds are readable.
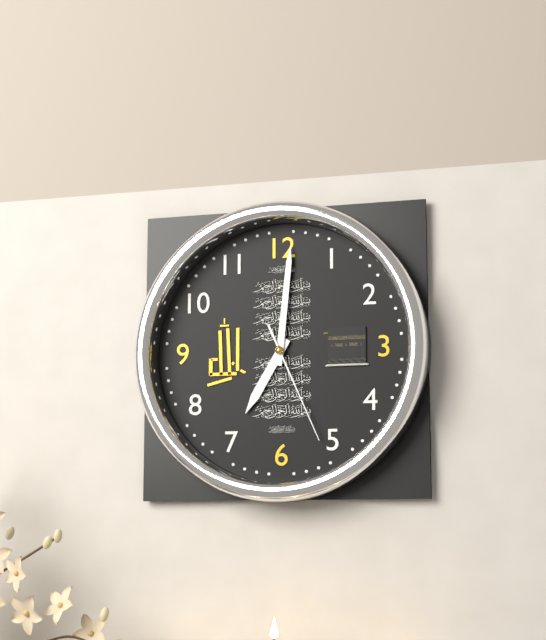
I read **7:01:26**
